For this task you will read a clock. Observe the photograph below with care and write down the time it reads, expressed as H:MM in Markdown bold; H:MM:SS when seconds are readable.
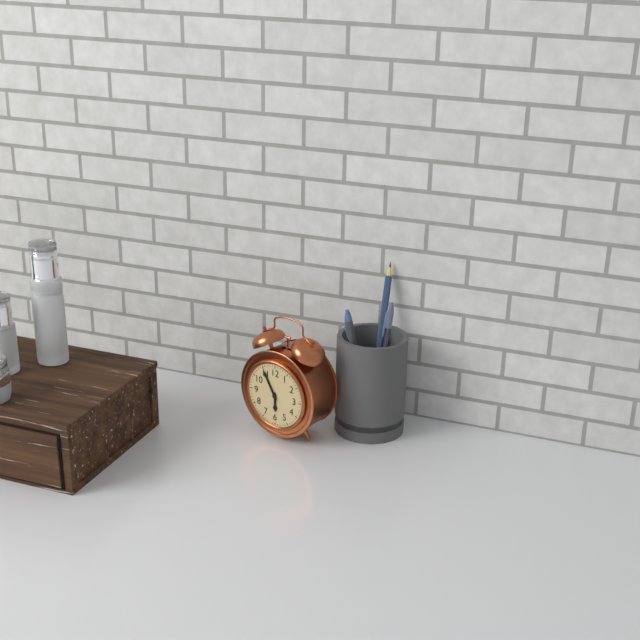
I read **5:55**
